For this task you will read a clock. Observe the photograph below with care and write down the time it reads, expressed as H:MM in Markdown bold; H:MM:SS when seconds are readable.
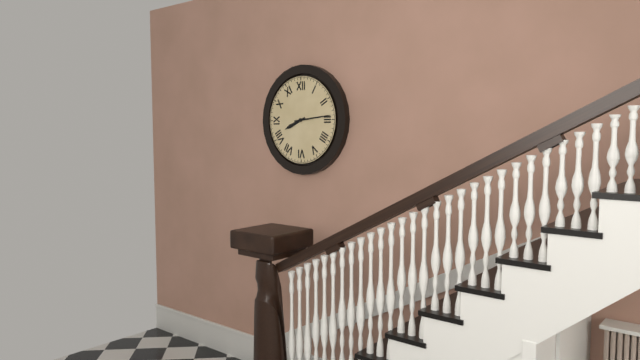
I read **8:14**
